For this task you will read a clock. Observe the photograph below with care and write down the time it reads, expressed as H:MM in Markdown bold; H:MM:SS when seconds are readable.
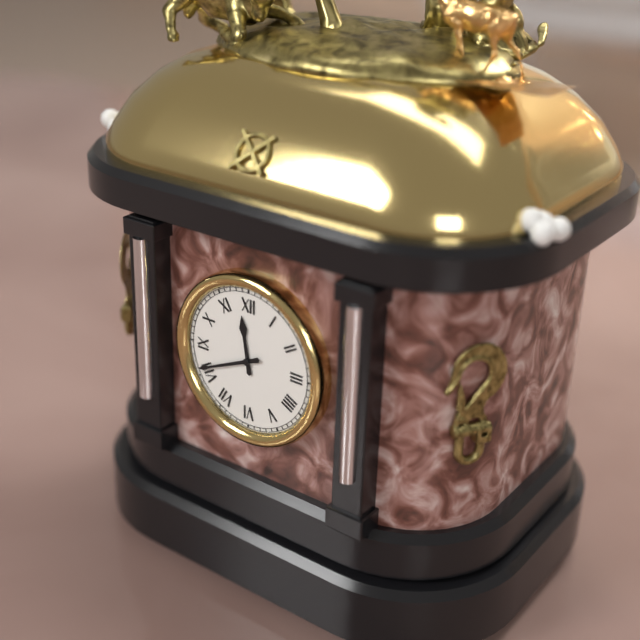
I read **11:41**
